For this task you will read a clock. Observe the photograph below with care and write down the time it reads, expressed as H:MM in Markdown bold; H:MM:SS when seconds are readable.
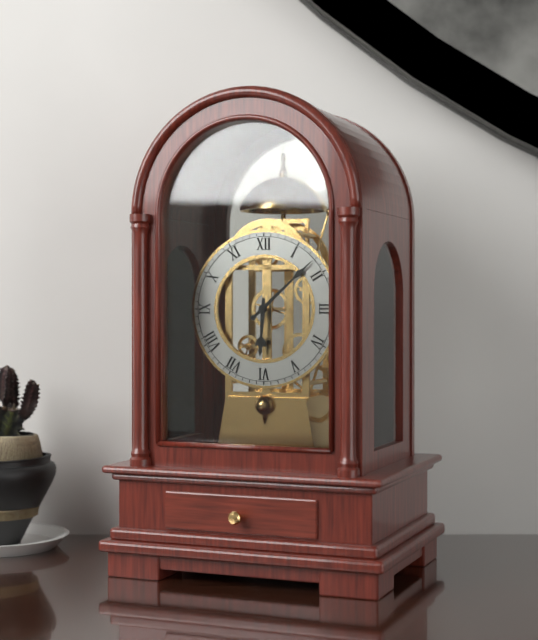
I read **6:08**
